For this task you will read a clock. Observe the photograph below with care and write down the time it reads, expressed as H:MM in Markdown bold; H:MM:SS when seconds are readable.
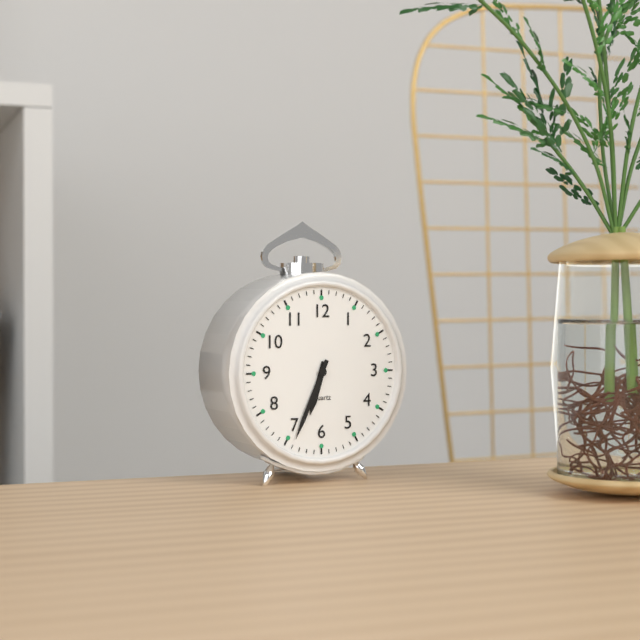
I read **6:34**
